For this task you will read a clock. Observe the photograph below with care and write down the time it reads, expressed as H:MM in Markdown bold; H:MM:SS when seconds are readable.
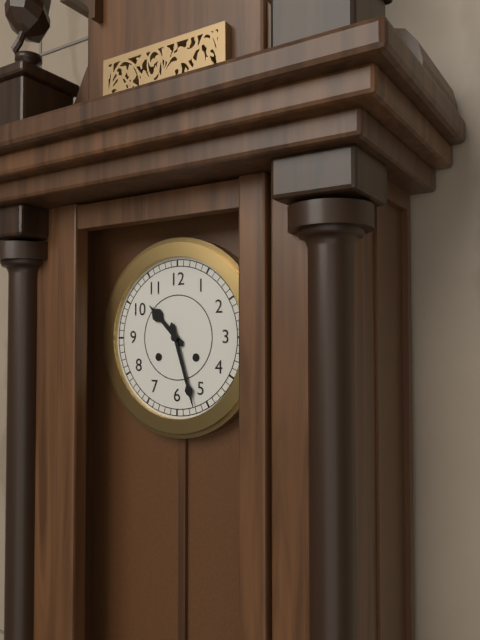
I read **10:27**
